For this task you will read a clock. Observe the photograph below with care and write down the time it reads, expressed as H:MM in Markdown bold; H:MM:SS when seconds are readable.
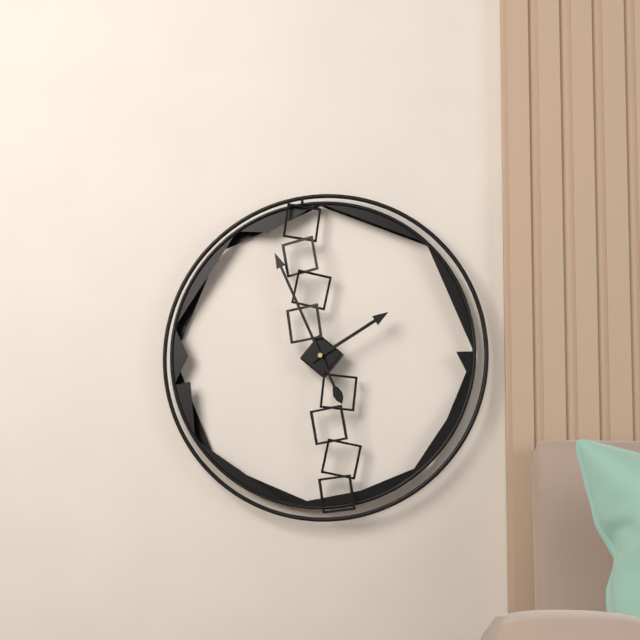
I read **1:56**
